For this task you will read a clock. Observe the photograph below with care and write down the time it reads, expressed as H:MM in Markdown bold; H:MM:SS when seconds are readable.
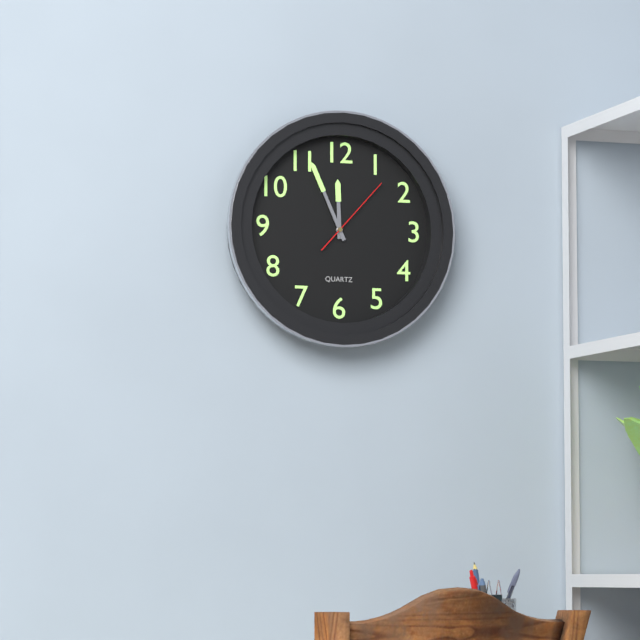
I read **11:56:07**
